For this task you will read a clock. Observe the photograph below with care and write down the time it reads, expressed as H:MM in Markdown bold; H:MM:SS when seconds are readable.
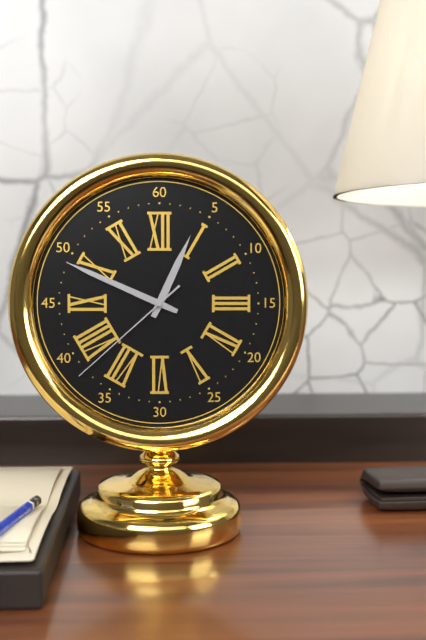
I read **12:49:38**
